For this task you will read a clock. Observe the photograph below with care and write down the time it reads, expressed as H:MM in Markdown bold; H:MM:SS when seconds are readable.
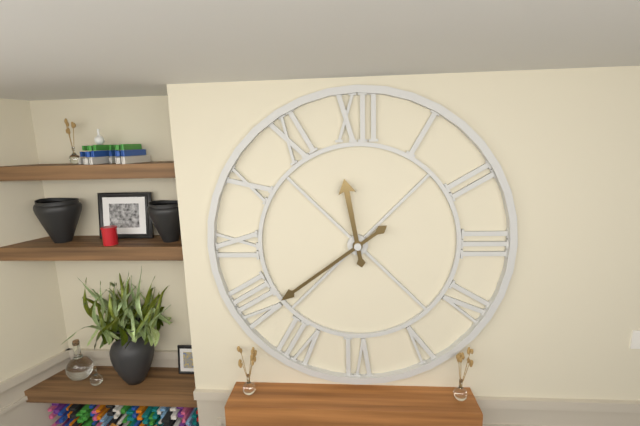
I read **11:39**
